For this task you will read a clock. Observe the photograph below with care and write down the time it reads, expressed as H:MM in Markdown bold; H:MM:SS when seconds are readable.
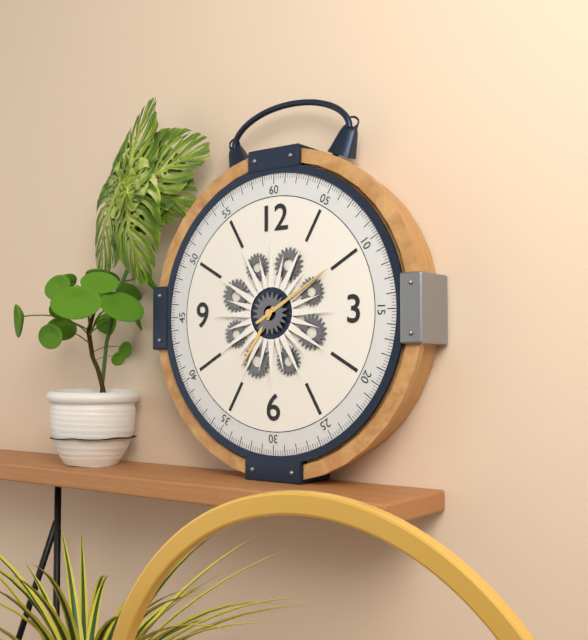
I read **7:10**
